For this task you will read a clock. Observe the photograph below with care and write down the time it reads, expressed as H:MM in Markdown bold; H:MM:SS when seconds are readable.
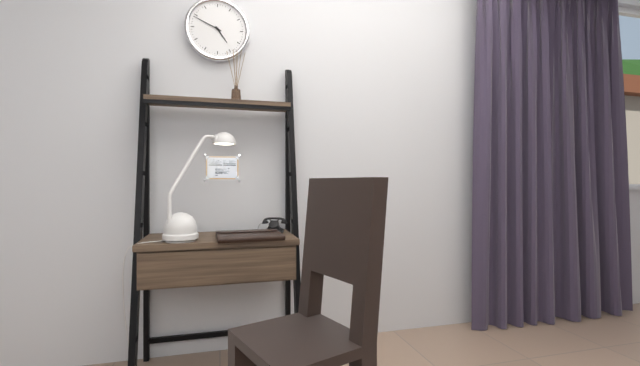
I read **4:49**
